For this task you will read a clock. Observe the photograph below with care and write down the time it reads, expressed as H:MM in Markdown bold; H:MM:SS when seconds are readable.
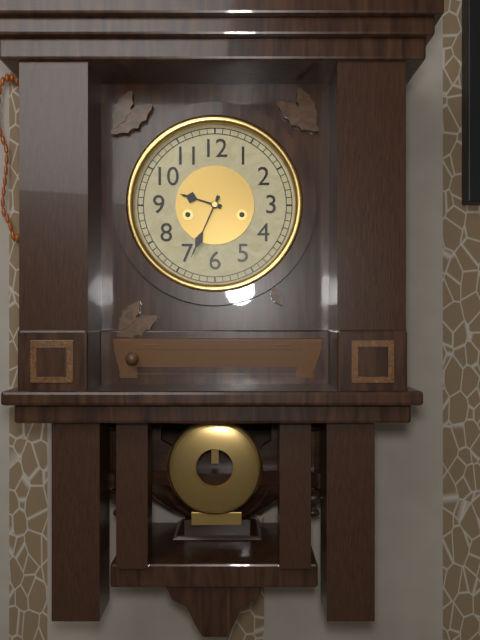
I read **9:34**
